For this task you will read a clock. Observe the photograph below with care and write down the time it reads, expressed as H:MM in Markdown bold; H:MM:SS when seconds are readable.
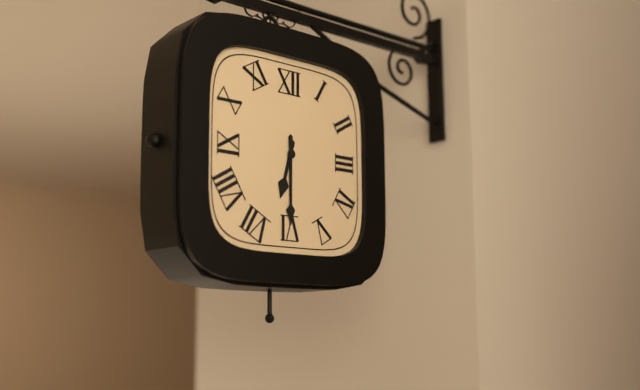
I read **6:30**
